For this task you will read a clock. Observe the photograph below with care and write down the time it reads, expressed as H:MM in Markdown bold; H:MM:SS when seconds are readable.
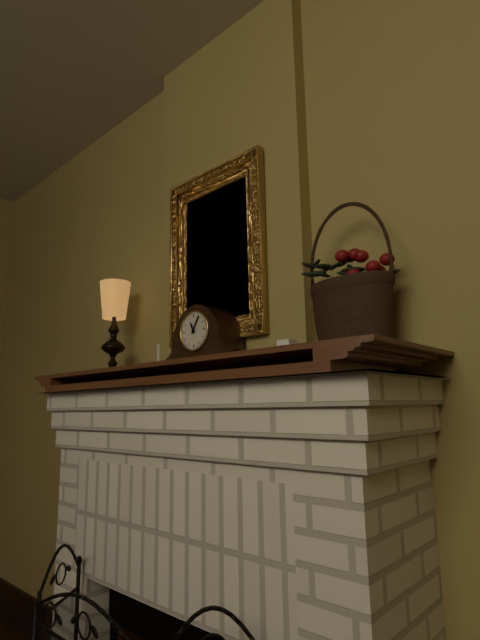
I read **11:05**
